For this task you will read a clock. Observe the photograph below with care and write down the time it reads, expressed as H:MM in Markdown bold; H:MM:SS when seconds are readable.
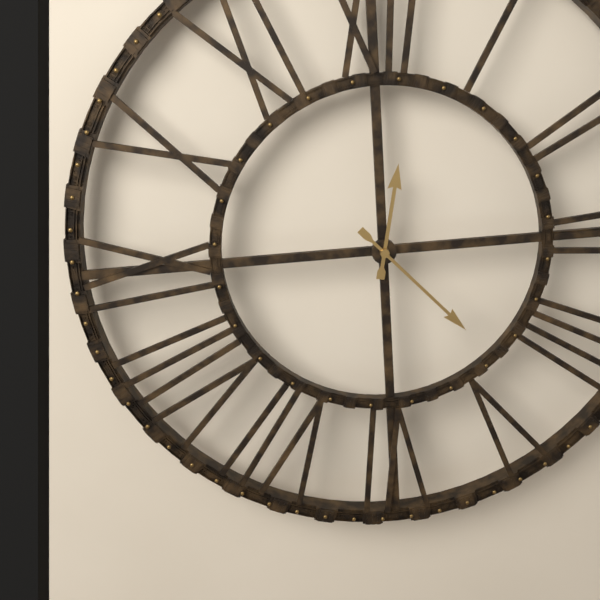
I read **12:23**
